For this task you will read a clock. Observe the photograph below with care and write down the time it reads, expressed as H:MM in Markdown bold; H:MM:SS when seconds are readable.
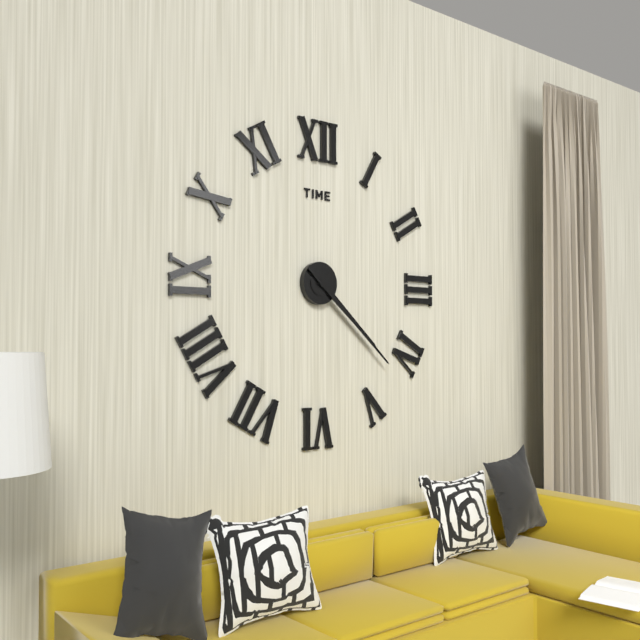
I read **4:22**
